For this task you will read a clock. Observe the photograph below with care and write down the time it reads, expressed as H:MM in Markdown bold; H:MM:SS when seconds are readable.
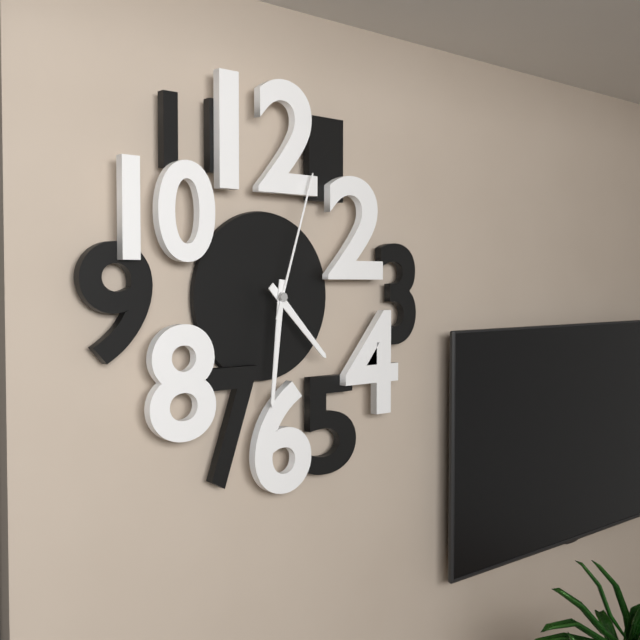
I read **4:31:03**
